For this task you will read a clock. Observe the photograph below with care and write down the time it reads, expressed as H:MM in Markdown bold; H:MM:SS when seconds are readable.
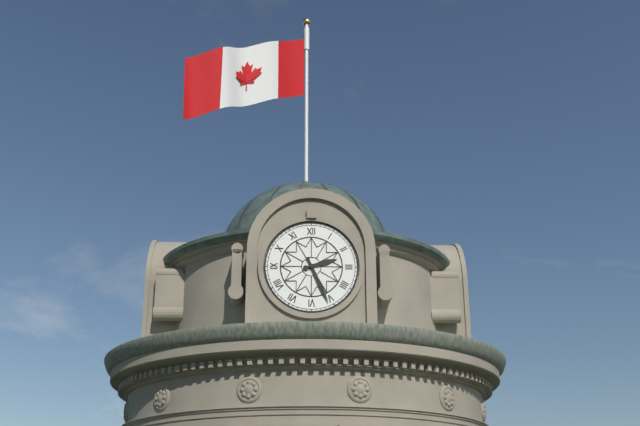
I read **2:26**
